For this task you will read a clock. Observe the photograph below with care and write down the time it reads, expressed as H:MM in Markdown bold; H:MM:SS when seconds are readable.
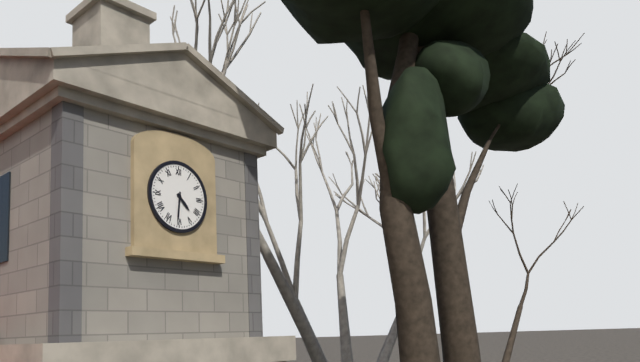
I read **4:31**
